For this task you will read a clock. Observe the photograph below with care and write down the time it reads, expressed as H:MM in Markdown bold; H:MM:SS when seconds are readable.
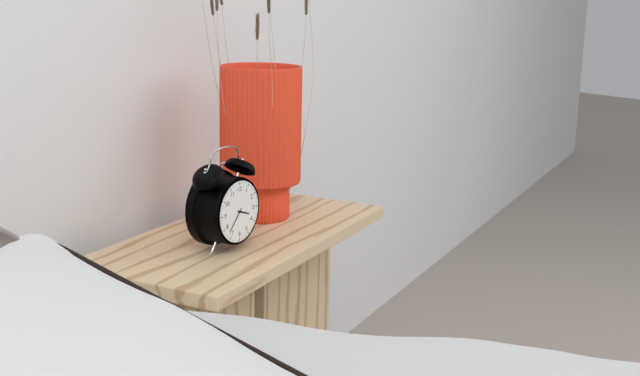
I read **3:37**
